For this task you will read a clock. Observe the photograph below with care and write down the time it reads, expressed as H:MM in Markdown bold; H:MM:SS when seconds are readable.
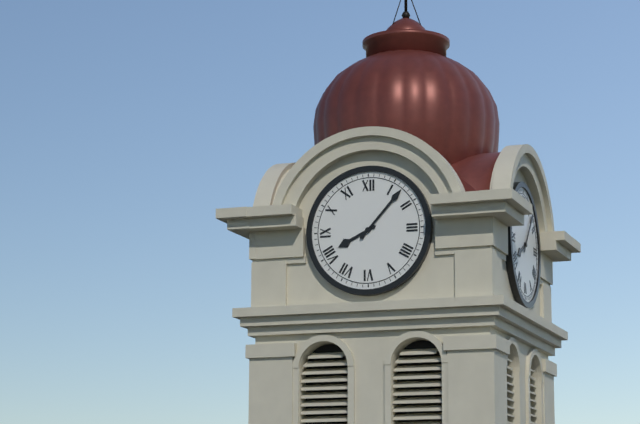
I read **8:07**
